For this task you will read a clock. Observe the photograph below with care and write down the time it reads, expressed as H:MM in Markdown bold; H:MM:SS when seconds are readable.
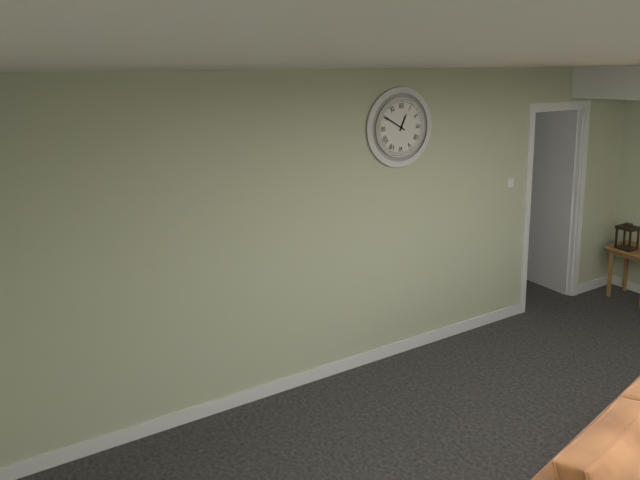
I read **12:50**
